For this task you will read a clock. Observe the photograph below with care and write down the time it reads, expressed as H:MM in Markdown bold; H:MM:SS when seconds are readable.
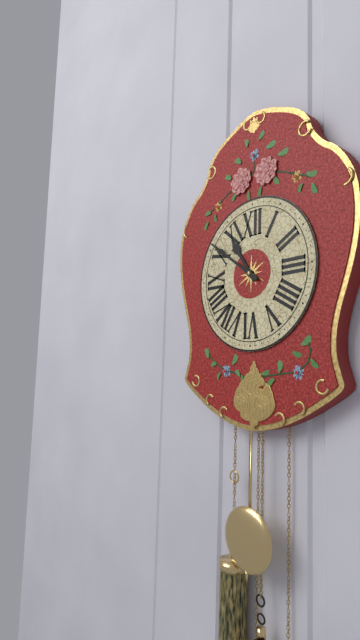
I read **10:51**
